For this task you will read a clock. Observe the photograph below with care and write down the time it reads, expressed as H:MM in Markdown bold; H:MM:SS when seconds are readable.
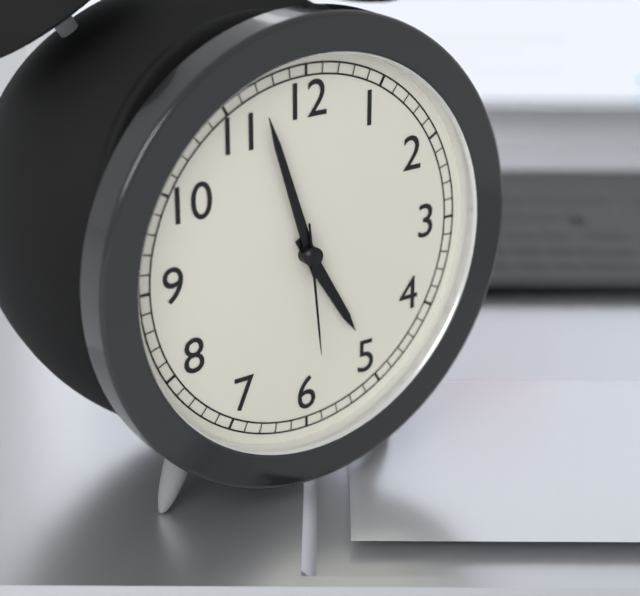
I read **4:57:29**
